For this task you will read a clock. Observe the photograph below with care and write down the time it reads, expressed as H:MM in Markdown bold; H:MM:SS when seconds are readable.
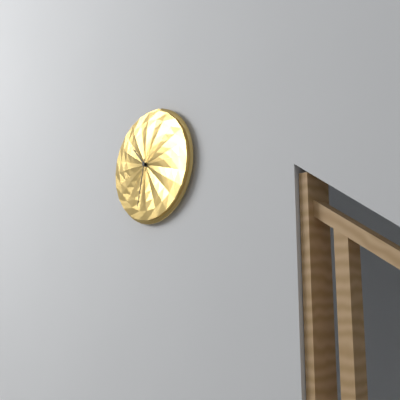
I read **10:32**
